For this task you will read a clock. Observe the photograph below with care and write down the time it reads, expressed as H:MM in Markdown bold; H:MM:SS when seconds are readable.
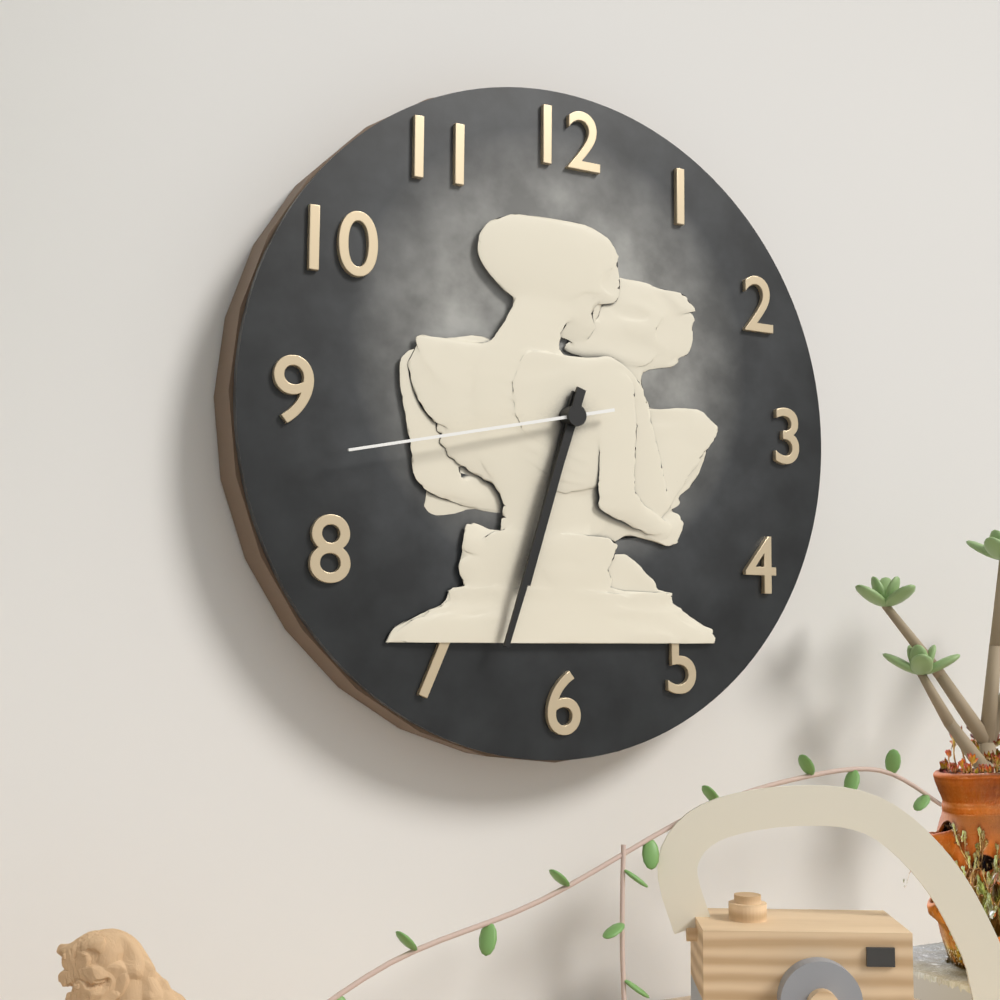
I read **6:33:43**
